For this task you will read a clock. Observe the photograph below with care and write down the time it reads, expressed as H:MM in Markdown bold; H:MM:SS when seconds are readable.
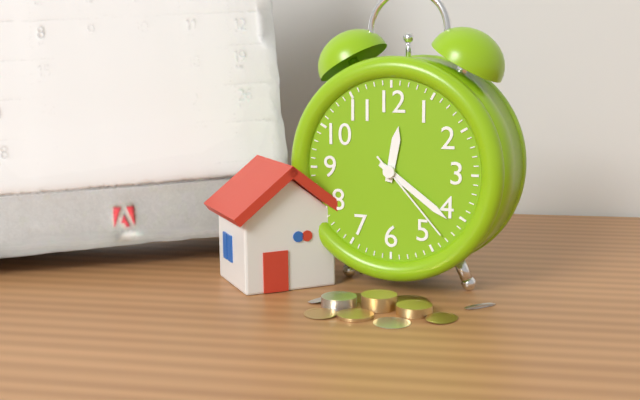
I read **12:21:23**
